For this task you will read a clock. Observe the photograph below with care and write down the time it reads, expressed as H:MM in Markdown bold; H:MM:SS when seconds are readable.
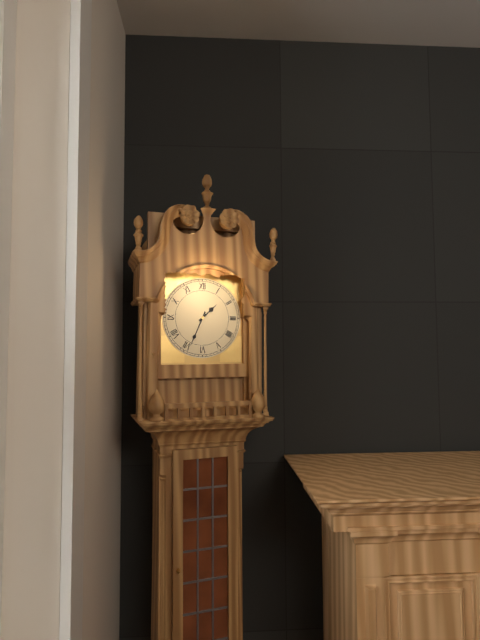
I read **1:34**
